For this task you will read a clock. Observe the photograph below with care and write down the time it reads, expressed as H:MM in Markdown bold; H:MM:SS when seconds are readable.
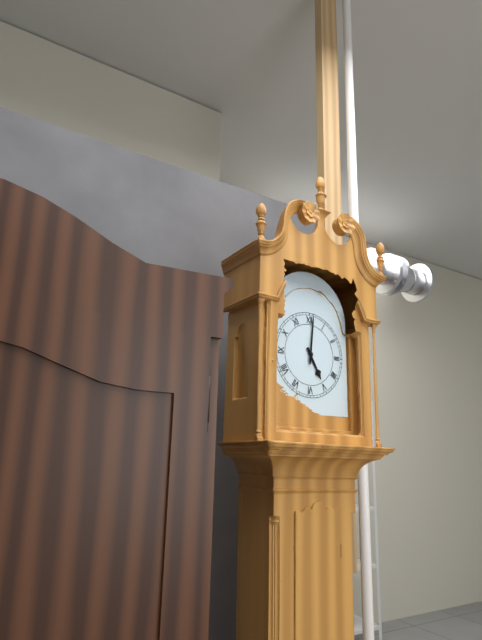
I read **5:01**
